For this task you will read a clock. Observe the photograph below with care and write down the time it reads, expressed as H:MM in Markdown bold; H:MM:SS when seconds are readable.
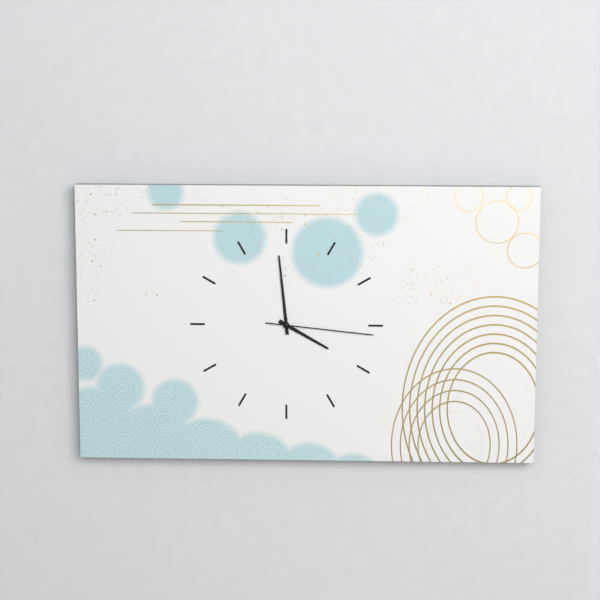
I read **3:59:16**
